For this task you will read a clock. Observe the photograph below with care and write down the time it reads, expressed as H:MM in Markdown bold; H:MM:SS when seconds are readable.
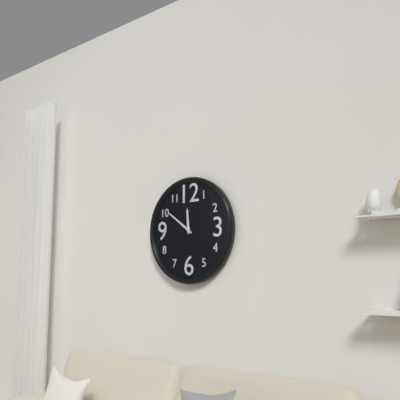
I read **11:51**
